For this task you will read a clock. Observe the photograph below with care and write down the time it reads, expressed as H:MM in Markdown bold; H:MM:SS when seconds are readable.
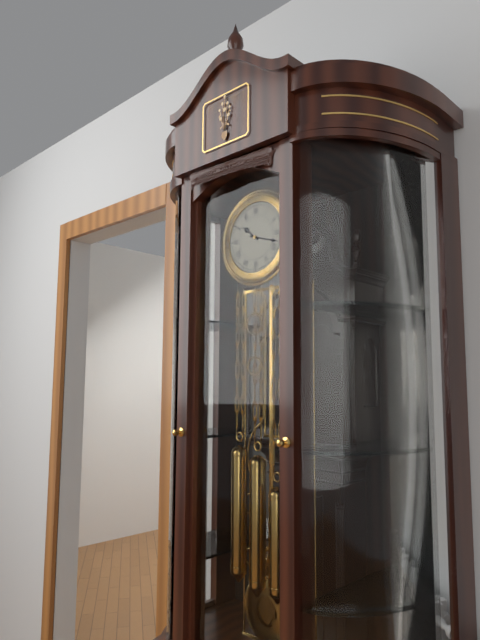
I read **10:18**
